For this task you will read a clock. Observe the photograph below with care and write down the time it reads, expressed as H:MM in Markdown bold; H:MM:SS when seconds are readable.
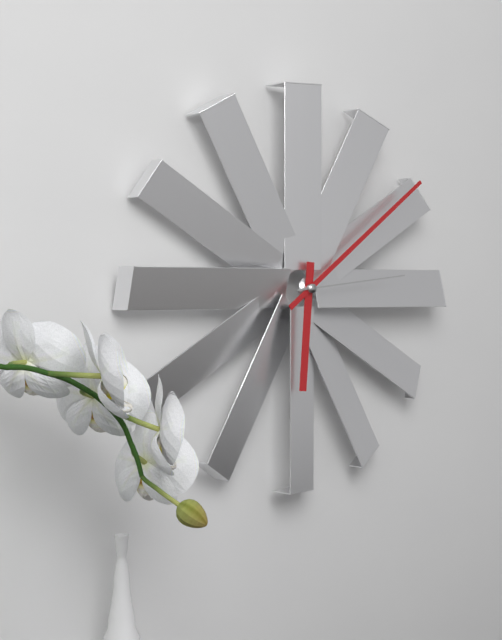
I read **6:09:14**
